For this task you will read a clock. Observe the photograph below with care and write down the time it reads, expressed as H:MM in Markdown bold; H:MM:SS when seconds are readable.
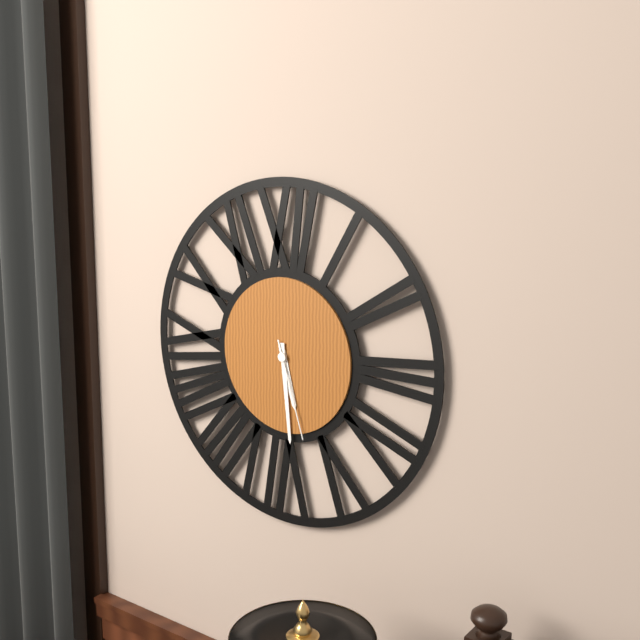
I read **5:29:27**
